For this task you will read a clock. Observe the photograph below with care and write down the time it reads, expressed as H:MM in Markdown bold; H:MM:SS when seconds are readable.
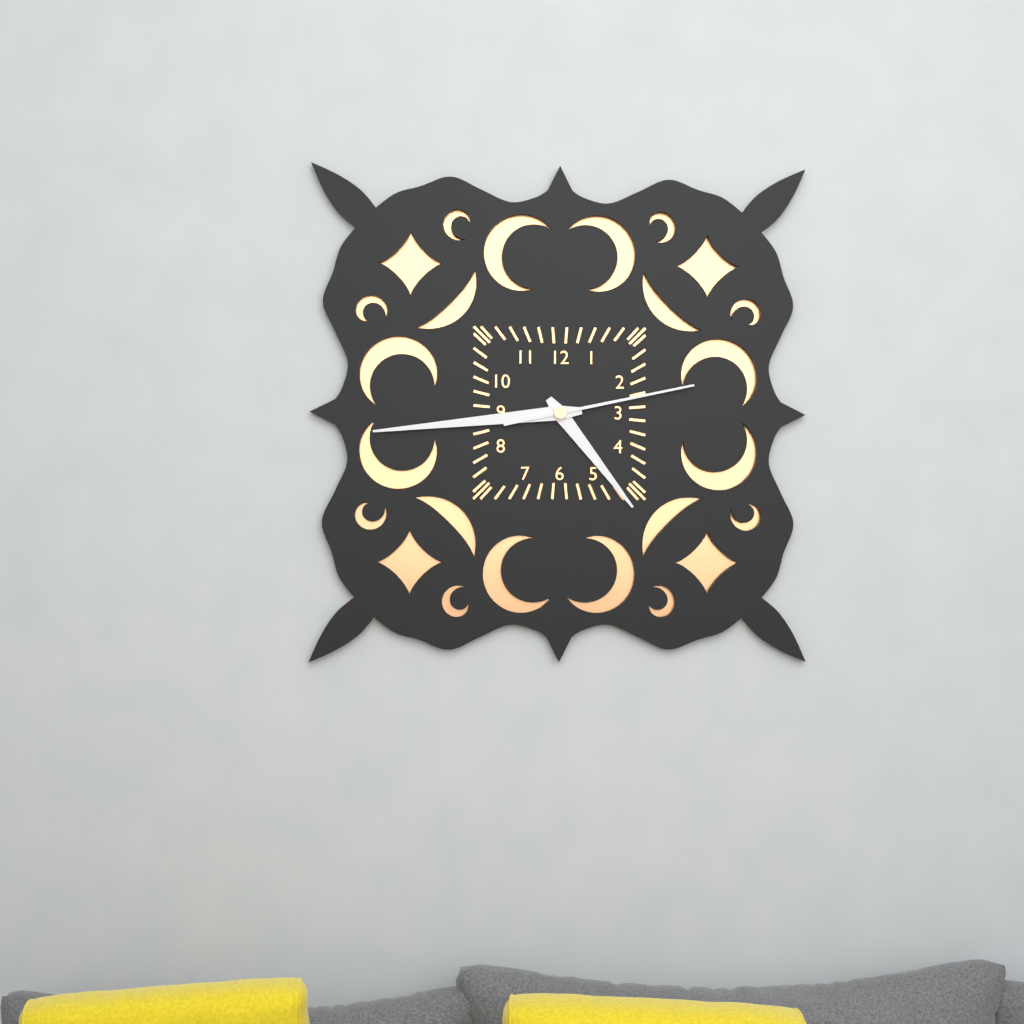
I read **4:44:13**
